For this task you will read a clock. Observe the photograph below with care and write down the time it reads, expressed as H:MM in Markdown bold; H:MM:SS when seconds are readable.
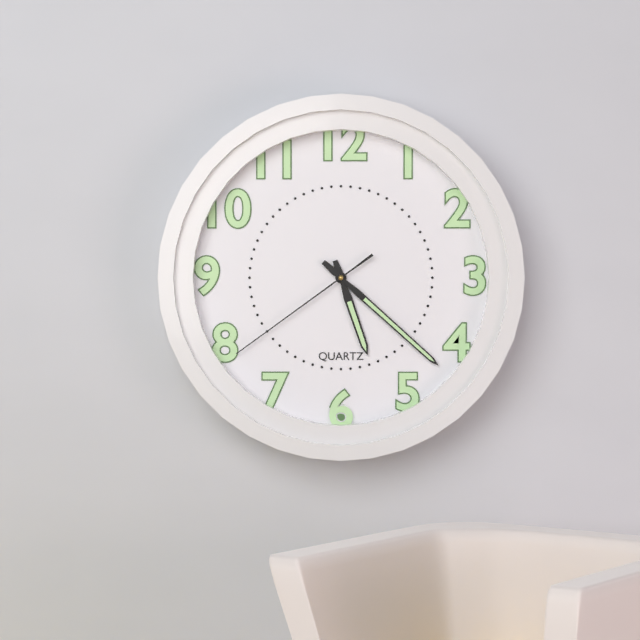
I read **5:22:39**
